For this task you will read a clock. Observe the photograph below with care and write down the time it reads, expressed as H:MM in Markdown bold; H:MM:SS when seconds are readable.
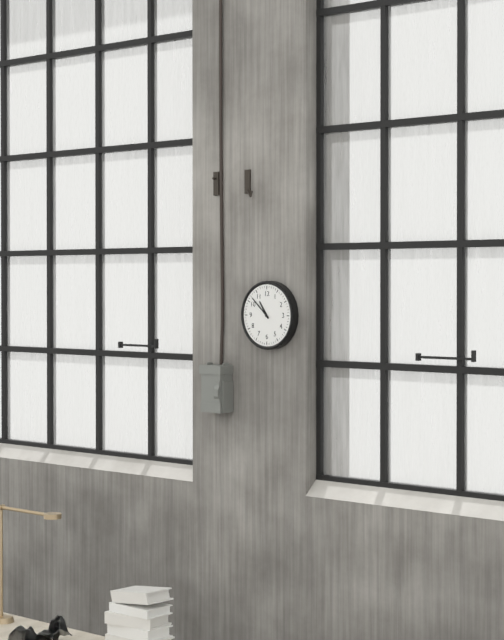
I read **10:52**
